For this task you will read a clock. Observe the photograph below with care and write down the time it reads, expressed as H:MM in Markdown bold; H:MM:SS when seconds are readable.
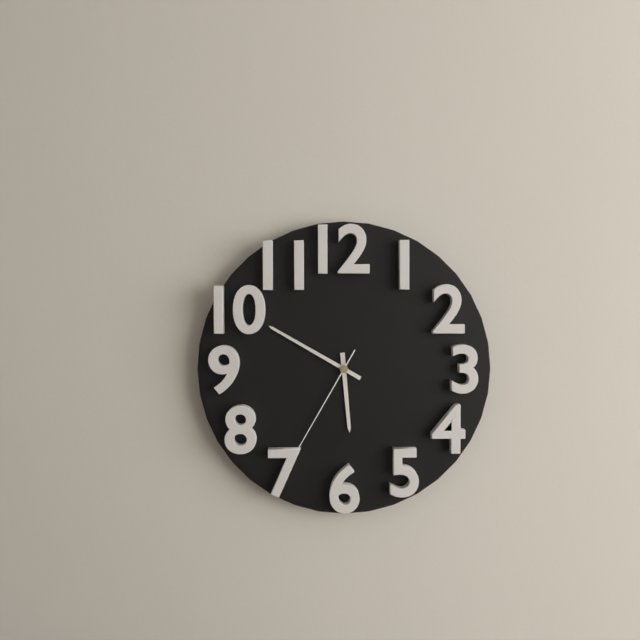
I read **5:50:35**
